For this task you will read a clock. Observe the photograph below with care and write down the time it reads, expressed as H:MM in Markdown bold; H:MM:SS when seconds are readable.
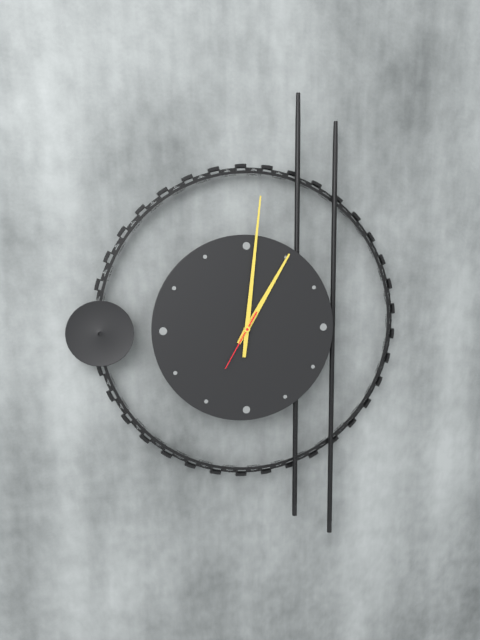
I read **1:01:35**
